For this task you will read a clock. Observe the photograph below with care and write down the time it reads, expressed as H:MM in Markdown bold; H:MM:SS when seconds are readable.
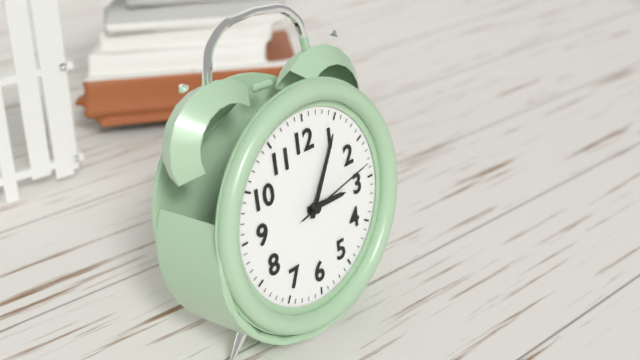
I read **3:05:13**
